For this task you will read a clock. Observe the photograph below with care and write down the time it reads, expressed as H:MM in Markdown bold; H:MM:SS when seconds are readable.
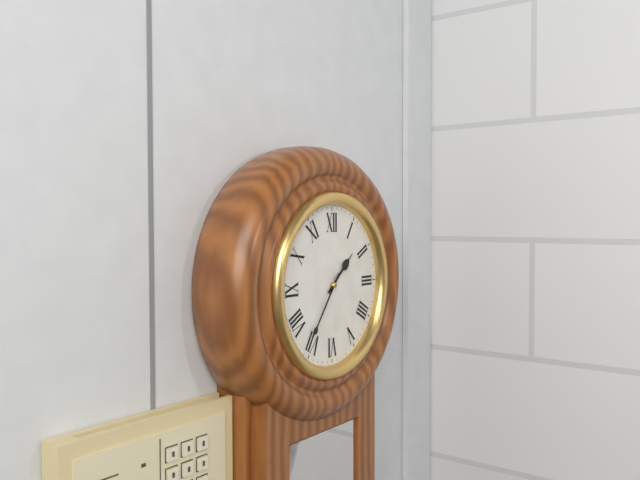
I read **1:36**
